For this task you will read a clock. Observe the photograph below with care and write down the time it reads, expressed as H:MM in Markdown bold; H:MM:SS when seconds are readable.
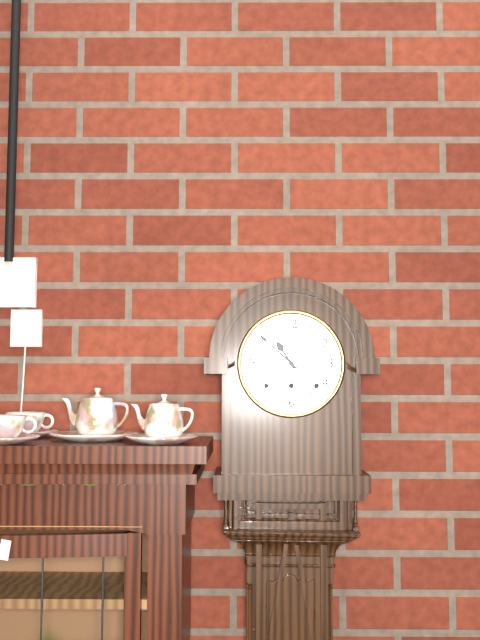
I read **10:52**
